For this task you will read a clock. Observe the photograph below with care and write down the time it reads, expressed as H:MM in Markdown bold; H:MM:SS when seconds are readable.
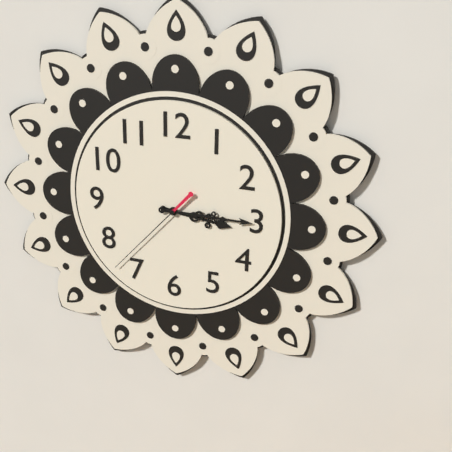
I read **3:15:37**
